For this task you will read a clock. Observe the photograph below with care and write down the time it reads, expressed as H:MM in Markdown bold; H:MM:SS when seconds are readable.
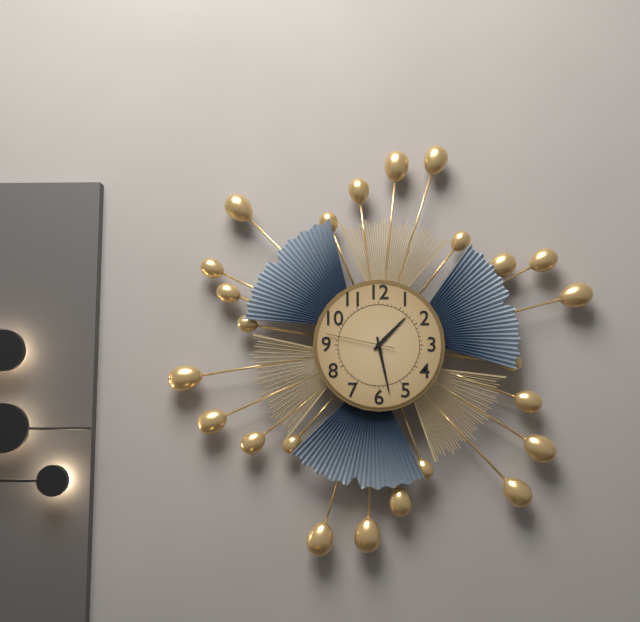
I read **1:28:47**
